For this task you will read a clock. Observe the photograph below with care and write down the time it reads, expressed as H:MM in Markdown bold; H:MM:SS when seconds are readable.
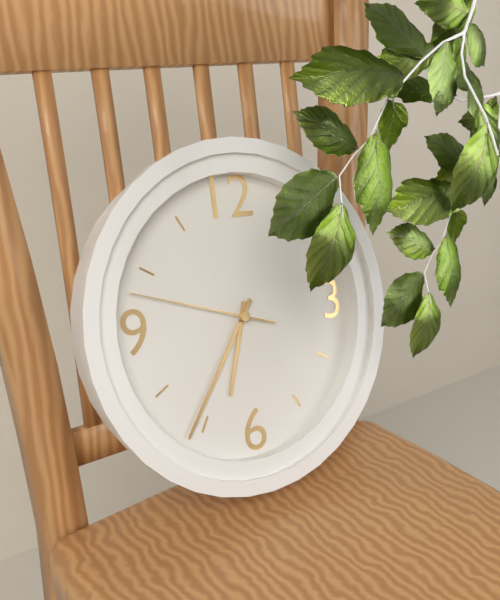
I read **6:36:48**
